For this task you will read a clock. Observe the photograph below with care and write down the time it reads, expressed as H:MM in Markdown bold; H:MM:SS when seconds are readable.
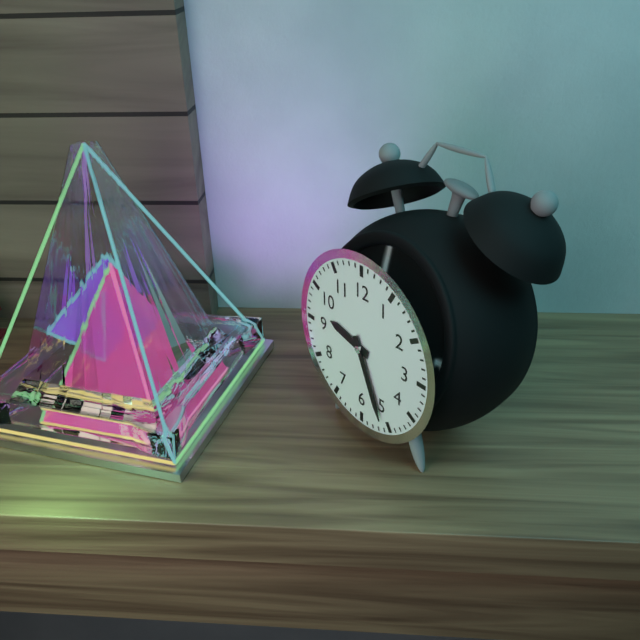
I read **9:26**
